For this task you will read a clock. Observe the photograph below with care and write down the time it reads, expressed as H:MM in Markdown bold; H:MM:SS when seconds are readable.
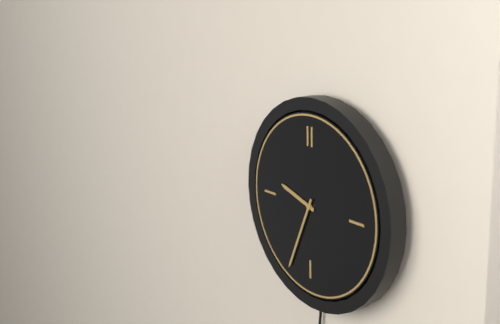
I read **9:34**
